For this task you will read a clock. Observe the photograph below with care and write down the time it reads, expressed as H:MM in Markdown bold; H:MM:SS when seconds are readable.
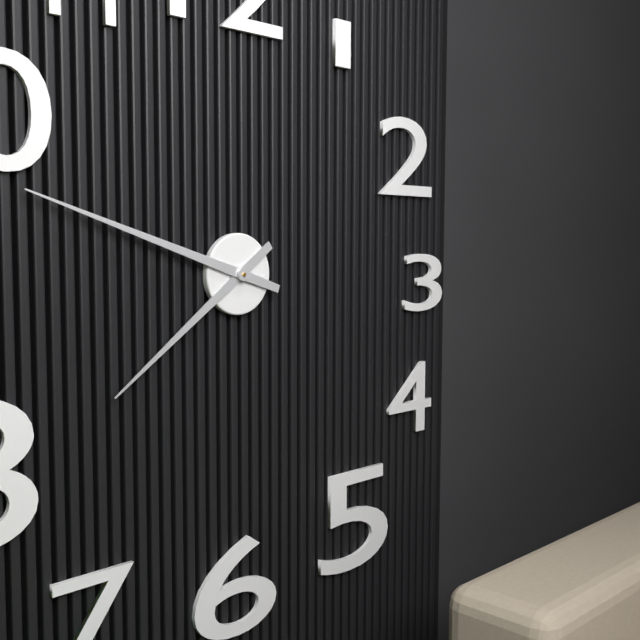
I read **7:48**
